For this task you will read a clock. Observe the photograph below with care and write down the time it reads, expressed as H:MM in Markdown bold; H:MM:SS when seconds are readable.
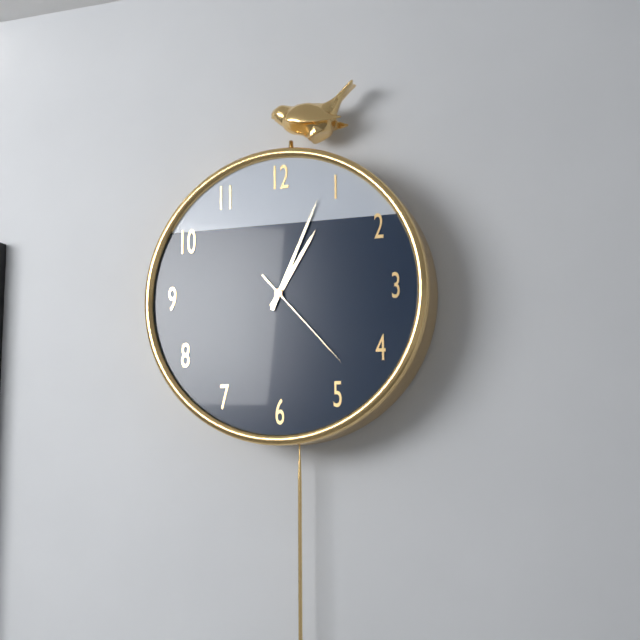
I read **1:04:23**
